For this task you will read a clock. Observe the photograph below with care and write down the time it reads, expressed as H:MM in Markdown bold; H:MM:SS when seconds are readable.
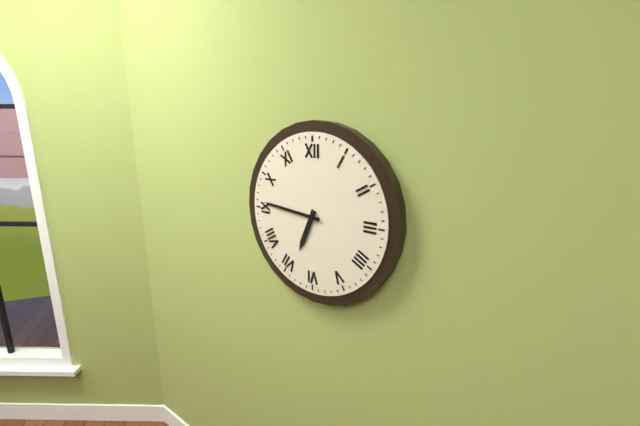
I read **6:46**
